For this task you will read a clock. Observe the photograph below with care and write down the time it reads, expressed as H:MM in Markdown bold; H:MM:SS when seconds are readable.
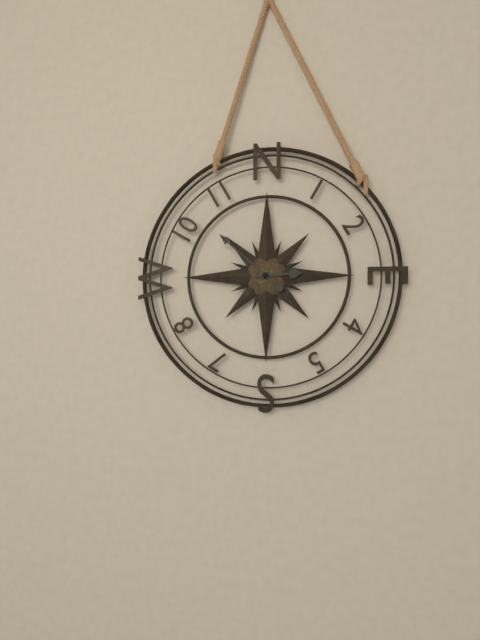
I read **2:52**
